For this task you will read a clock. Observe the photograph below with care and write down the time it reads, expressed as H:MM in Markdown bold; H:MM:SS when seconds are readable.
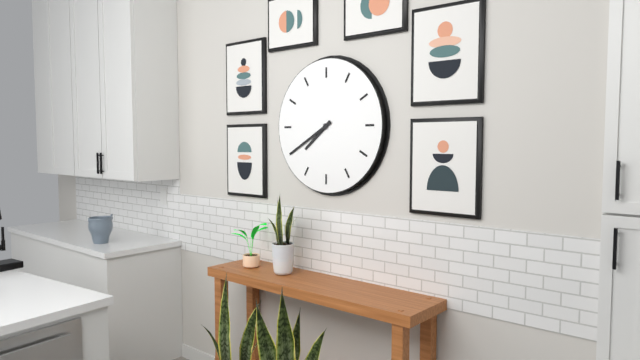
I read **7:40**
